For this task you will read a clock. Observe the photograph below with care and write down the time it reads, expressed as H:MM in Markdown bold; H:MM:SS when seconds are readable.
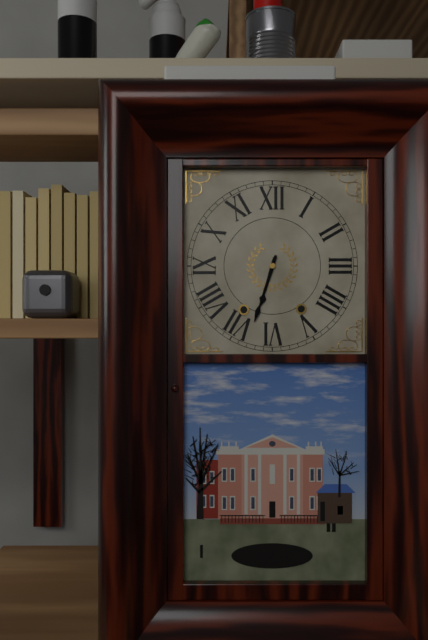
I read **6:33**
